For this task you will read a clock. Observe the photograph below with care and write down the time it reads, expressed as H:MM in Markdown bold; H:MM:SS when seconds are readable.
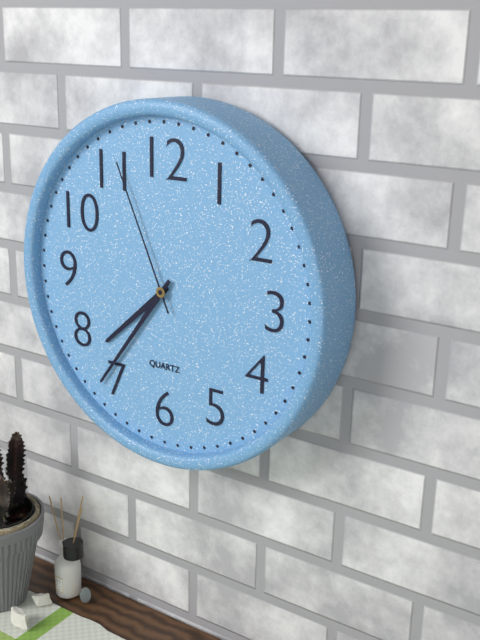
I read **7:36:56**
